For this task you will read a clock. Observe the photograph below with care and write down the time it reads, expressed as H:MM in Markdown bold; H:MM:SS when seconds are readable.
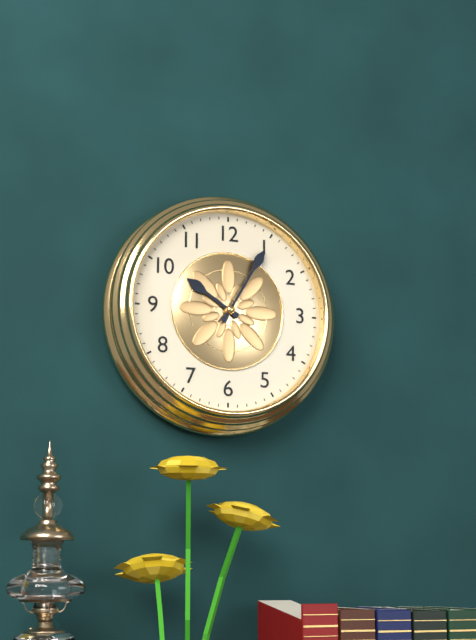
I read **10:05**
